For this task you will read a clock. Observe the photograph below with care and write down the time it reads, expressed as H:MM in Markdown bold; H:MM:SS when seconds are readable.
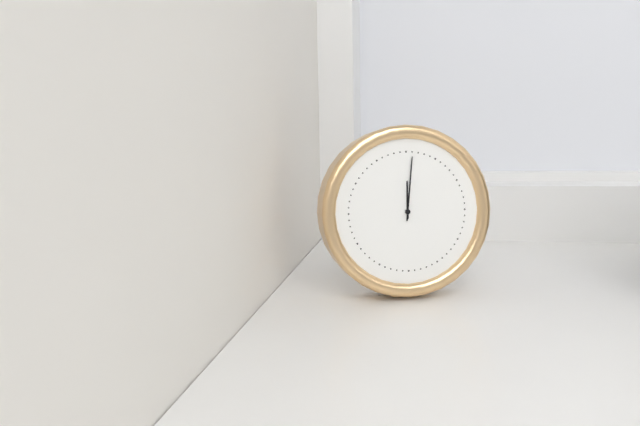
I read **12:01**
